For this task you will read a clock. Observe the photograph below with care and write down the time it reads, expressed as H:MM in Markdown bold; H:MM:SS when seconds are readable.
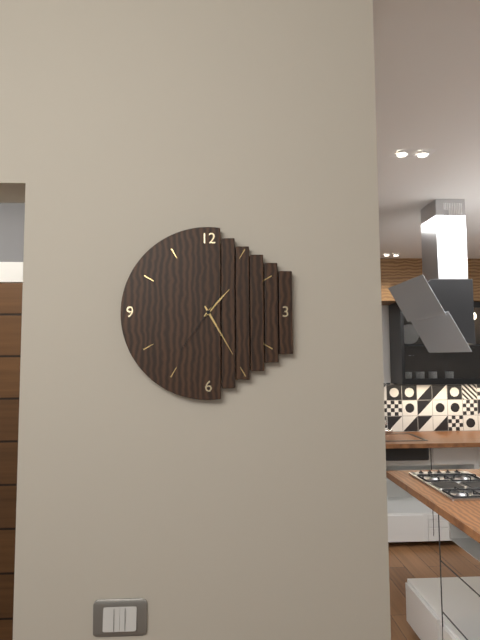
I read **1:25:36**
